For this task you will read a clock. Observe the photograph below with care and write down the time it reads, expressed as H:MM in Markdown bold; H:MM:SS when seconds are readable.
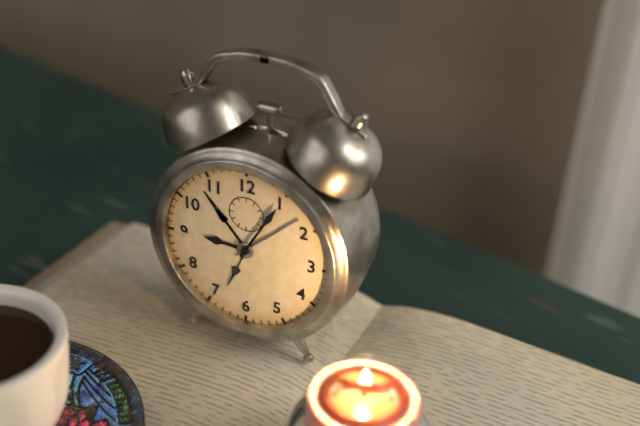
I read **9:05**
